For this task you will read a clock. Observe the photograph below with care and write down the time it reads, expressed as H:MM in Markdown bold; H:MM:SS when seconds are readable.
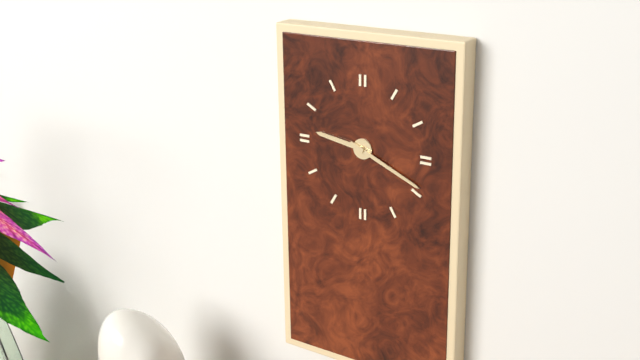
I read **9:19**
